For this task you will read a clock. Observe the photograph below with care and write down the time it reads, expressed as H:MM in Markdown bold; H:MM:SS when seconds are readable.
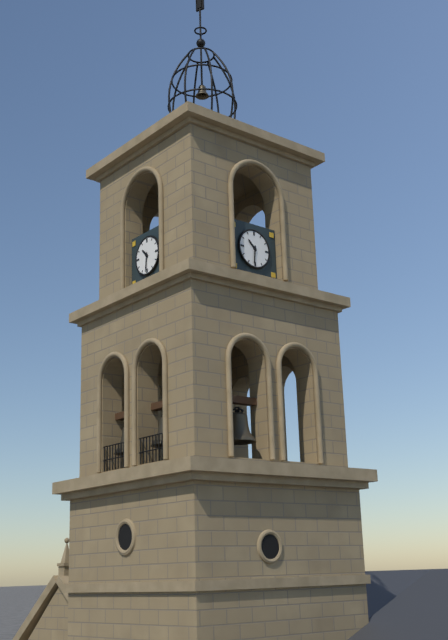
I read **10:31**
